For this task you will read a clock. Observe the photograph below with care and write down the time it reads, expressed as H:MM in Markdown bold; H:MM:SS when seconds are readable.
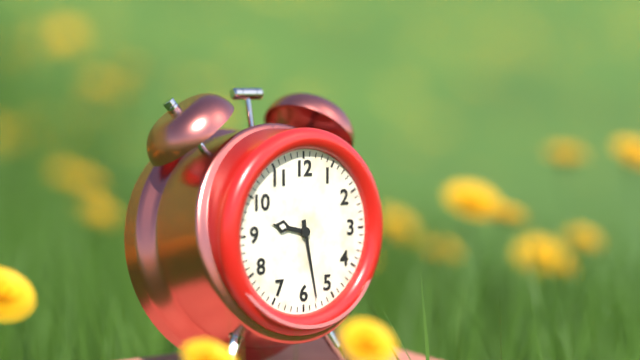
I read **9:28**
